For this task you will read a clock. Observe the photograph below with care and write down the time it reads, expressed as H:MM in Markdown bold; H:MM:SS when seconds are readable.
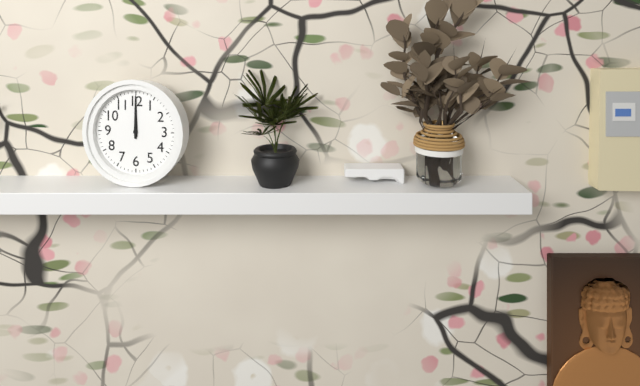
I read **12:00**
